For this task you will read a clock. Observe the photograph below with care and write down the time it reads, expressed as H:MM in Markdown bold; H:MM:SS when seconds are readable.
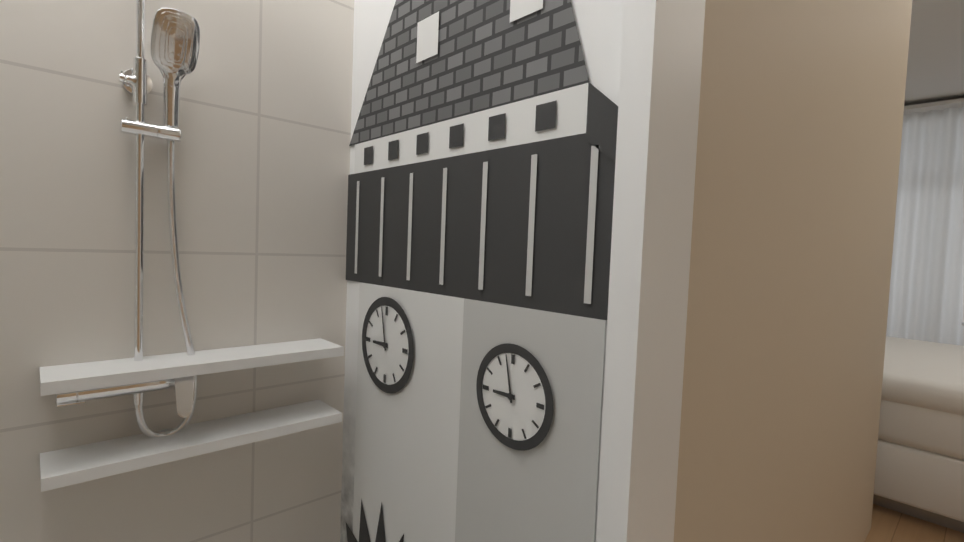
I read **8:58**
